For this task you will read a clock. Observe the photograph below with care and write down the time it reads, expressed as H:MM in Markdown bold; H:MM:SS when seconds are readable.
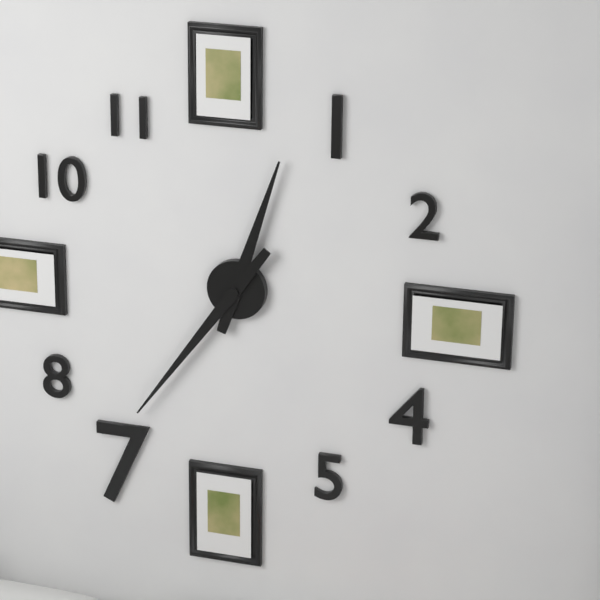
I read **12:36**
